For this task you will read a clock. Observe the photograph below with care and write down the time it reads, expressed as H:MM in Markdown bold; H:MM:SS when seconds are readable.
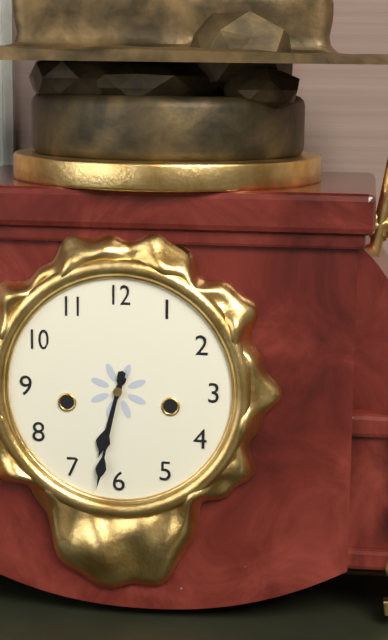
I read **6:32**
